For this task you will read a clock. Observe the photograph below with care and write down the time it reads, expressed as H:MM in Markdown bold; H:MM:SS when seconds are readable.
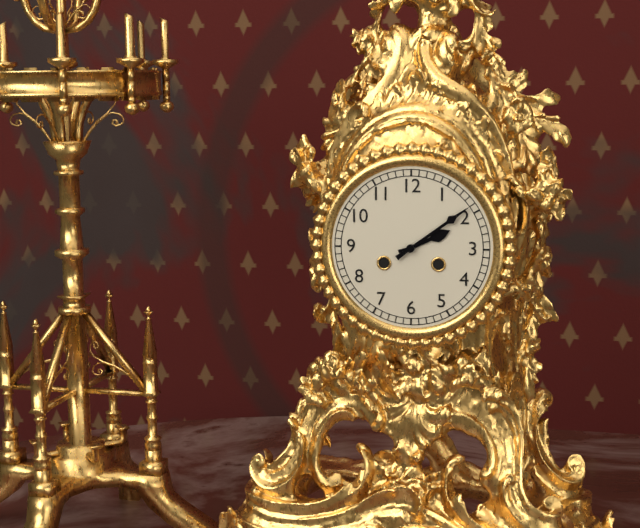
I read **2:09**
